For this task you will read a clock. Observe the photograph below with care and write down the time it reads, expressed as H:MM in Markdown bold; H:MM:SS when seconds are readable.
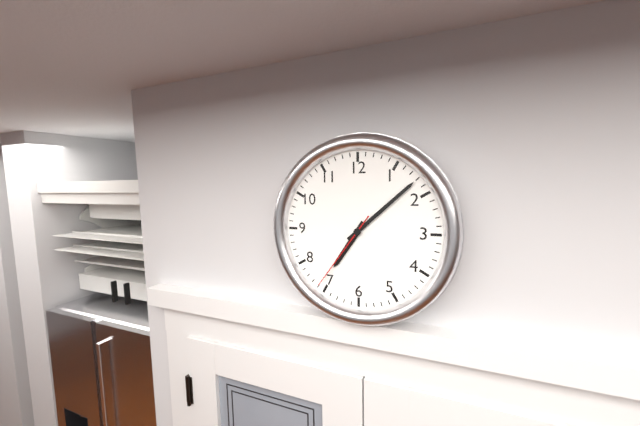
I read **7:08:36**
